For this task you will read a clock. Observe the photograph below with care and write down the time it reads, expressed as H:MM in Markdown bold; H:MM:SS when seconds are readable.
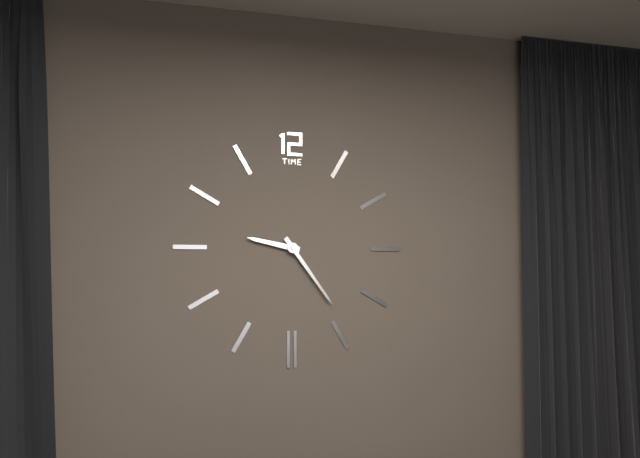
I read **9:24**
